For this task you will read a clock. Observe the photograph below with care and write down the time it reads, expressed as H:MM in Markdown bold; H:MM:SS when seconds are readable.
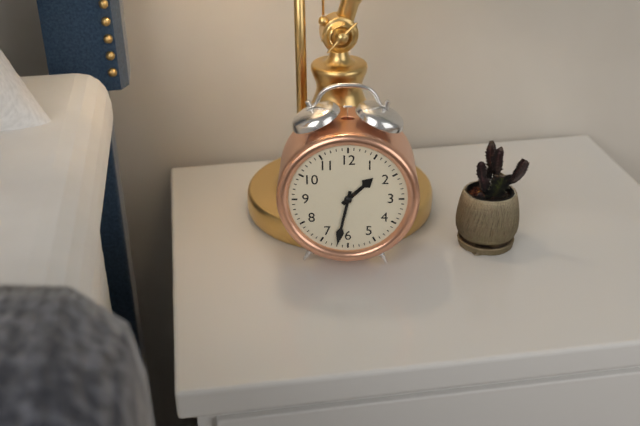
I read **1:32**
